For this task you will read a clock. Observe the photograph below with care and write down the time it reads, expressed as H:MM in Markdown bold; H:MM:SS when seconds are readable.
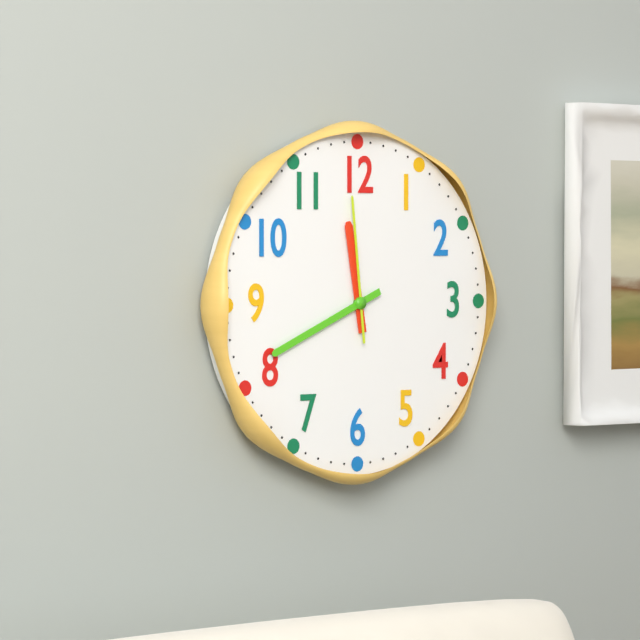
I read **11:41:59**
